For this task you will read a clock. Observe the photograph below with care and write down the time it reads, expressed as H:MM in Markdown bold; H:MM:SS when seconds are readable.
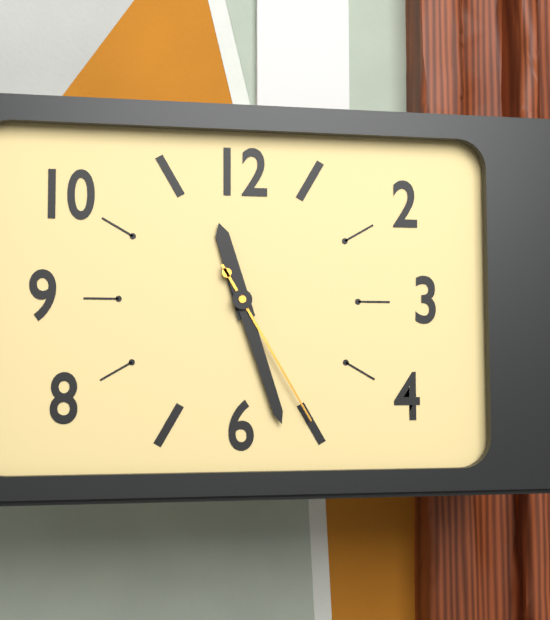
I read **11:27:25**
